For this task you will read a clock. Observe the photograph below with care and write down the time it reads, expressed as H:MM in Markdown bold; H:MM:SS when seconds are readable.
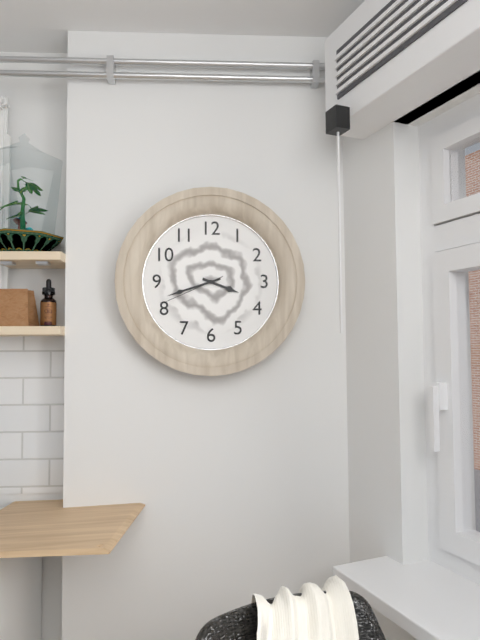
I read **3:42:41**
